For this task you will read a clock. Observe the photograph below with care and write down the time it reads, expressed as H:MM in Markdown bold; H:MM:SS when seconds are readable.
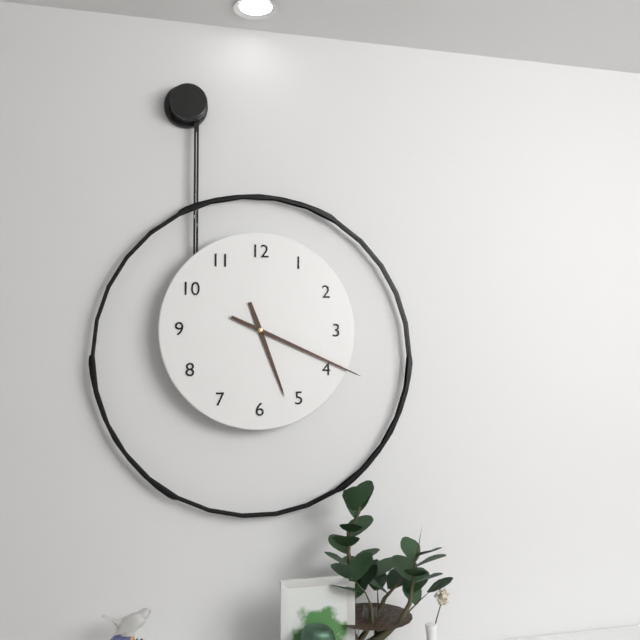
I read **5:19**
